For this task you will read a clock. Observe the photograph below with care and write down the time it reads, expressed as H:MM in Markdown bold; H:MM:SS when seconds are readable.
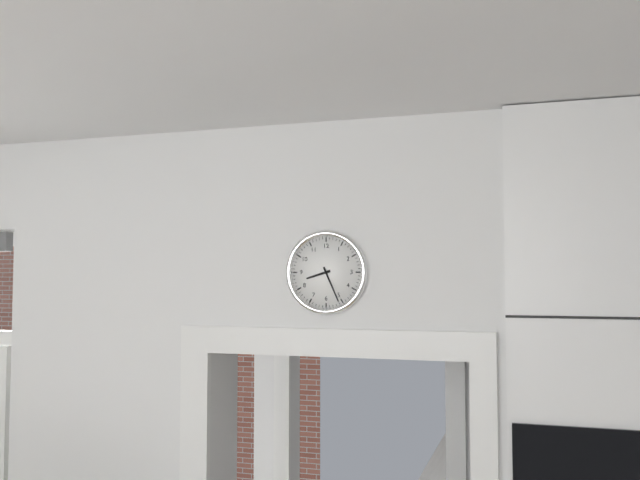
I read **8:26**
